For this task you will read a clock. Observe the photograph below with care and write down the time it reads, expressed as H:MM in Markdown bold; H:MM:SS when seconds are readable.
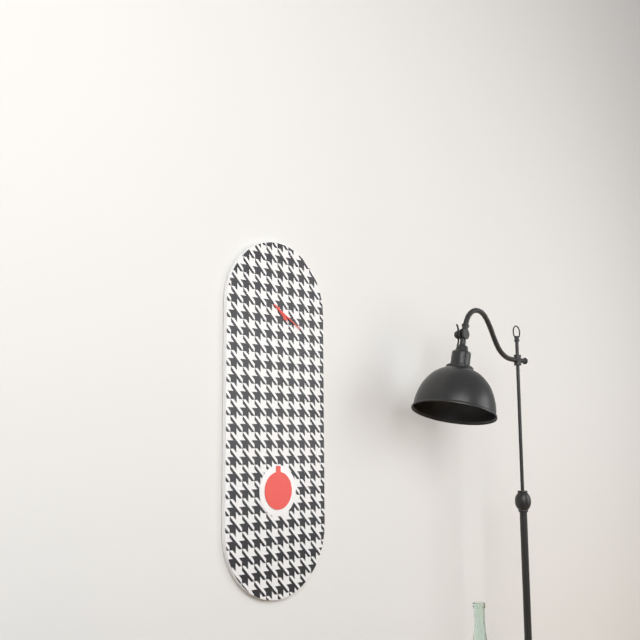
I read **4:20**
